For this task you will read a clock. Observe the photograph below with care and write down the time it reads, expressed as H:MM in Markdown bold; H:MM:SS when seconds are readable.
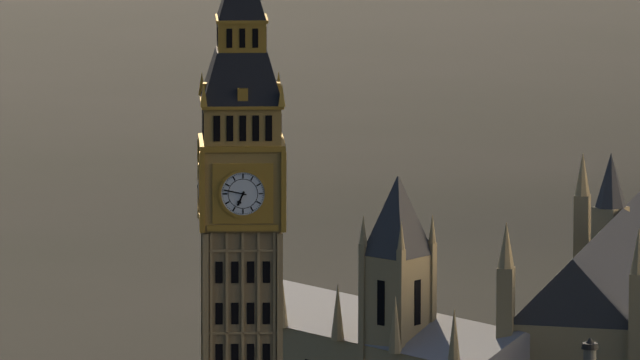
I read **6:47**
